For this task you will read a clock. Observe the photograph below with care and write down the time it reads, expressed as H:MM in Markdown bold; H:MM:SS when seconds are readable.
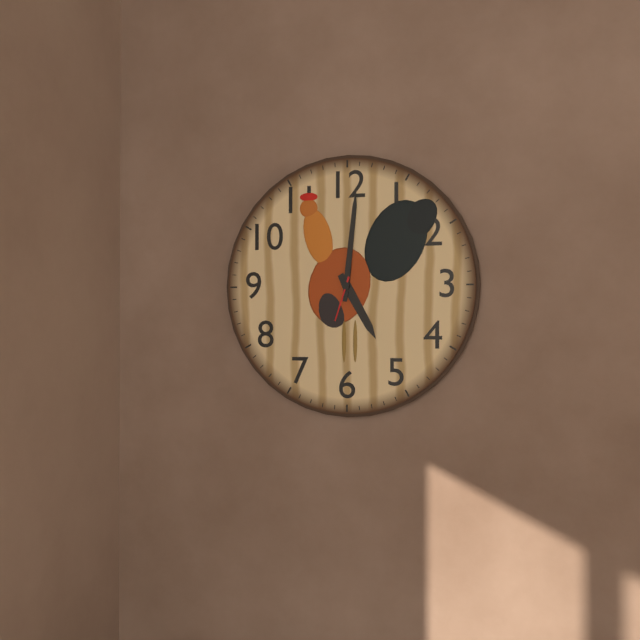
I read **5:01**
